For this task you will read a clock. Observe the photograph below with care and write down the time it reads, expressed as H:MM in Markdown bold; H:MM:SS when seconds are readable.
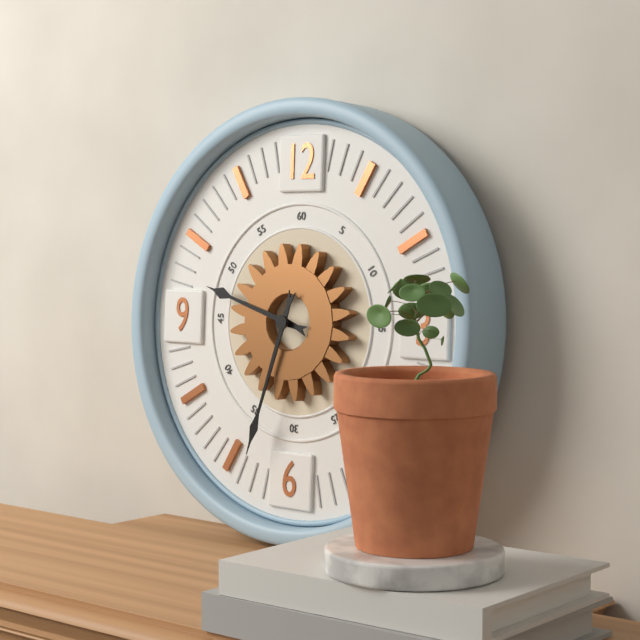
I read **9:33**
